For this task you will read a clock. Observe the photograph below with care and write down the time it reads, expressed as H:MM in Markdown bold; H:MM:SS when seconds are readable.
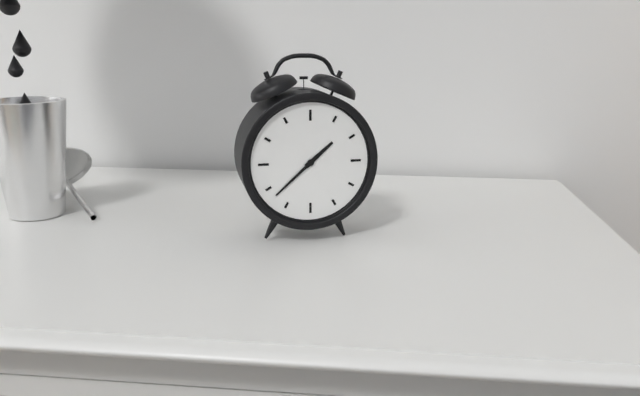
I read **1:38**
